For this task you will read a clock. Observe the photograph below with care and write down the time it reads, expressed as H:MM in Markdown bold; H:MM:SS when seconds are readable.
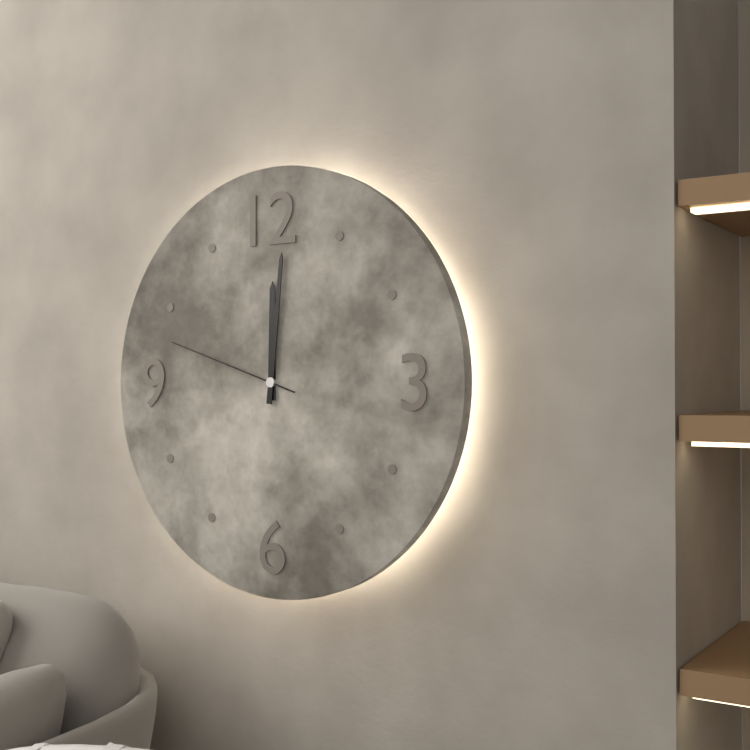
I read **12:01:48**
